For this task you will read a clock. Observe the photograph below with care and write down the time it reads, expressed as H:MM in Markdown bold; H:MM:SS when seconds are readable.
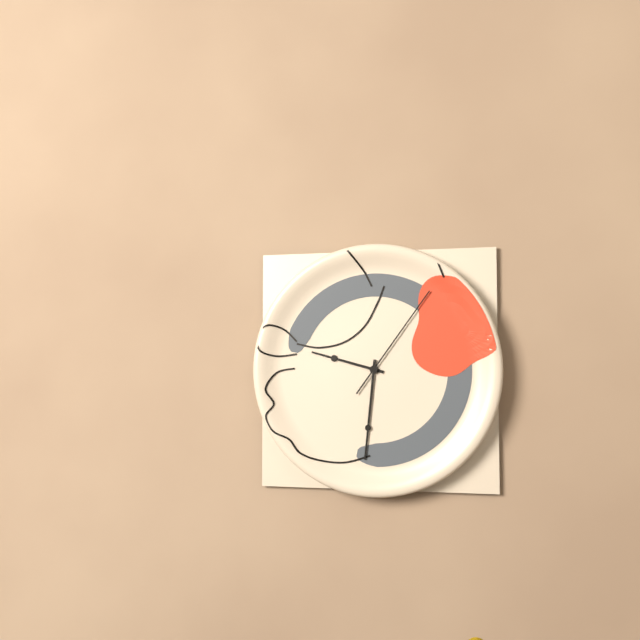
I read **9:31:06**
